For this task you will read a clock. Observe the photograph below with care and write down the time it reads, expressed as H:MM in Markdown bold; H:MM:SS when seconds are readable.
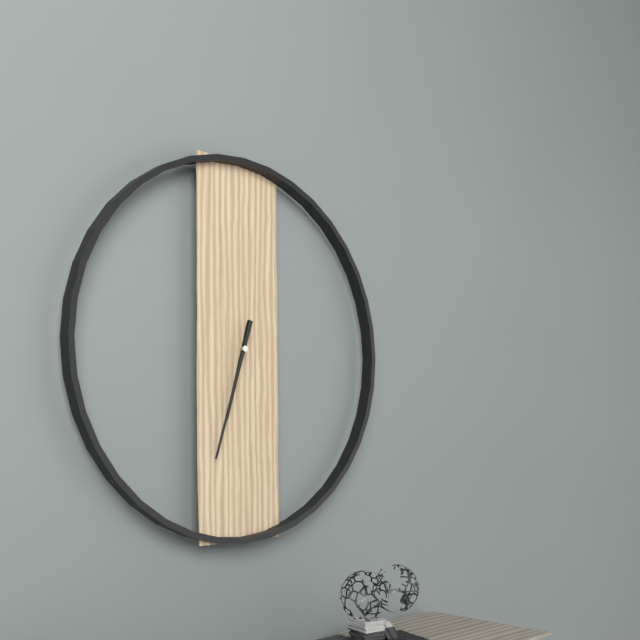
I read **6:33**
